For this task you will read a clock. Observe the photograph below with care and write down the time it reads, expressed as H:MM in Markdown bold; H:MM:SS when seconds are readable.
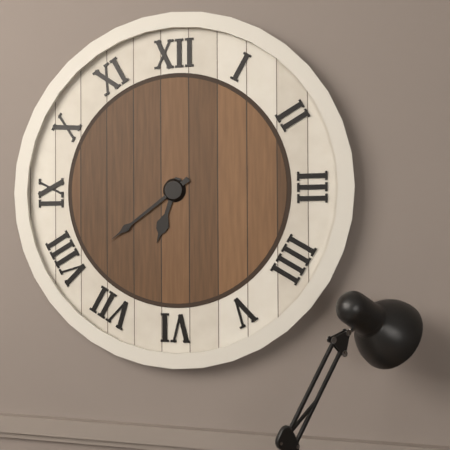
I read **6:39**
